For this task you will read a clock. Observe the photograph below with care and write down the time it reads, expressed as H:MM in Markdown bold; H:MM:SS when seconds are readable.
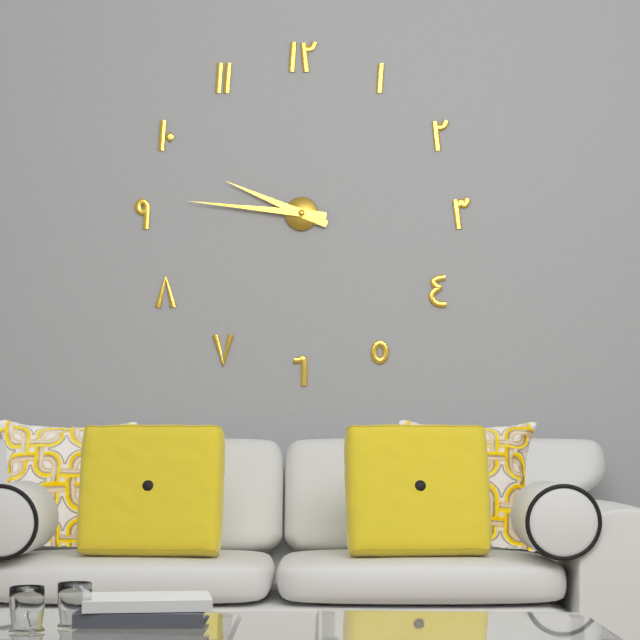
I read **9:46**
